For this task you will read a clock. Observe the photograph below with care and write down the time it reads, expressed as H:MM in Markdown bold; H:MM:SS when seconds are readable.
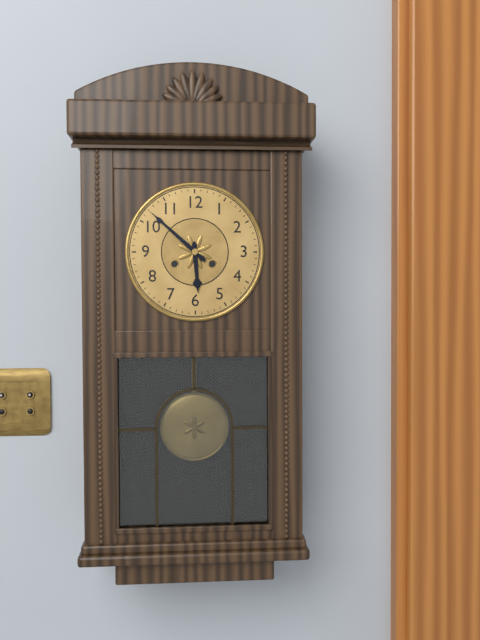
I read **5:52**
